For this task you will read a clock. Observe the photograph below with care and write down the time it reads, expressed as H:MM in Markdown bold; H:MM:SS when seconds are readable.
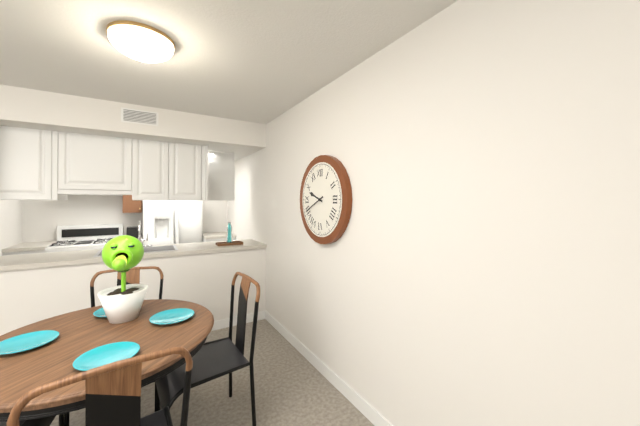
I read **9:41**
